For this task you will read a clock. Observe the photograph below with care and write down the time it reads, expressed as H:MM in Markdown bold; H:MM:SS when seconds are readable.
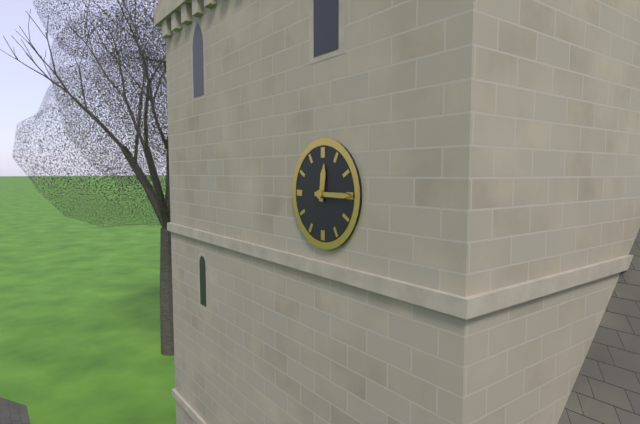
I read **12:15**
